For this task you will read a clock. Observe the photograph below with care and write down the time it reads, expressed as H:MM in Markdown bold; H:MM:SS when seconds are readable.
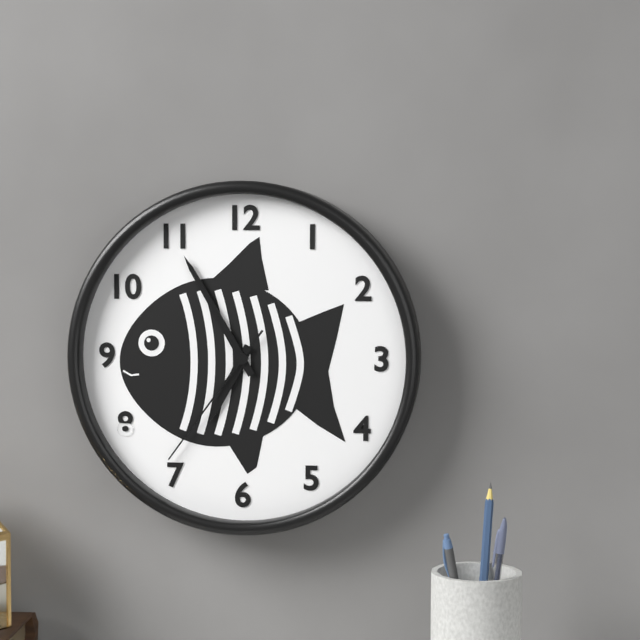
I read **6:55:36**
